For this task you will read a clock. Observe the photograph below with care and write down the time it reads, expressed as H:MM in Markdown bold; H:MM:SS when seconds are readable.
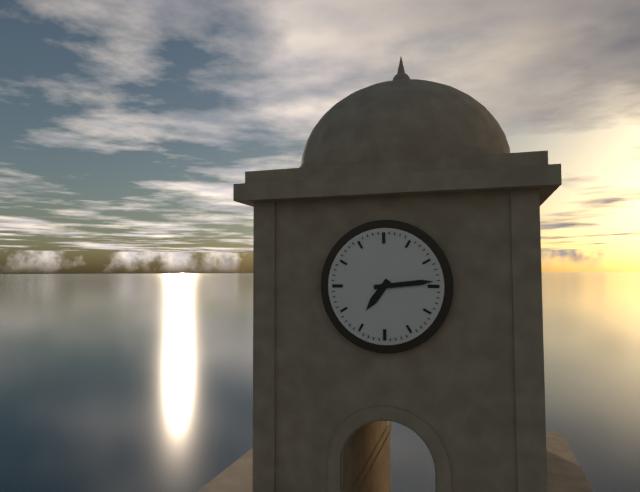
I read **7:14**
